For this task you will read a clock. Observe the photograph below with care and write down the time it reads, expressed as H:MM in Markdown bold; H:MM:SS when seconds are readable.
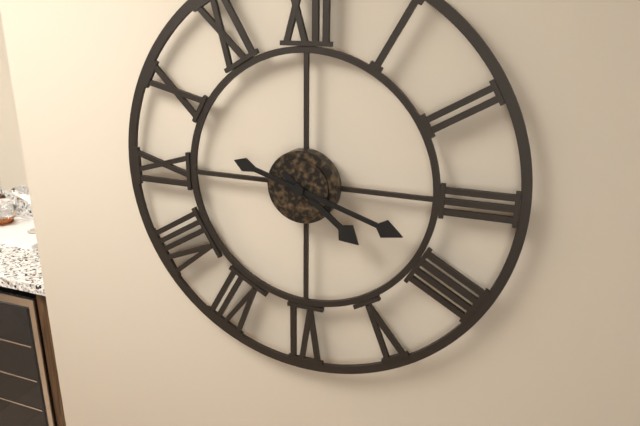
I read **4:18**
